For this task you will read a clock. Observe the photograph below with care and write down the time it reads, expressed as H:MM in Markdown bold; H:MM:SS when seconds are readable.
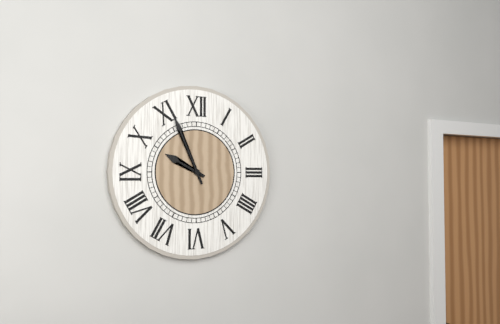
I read **9:56**
